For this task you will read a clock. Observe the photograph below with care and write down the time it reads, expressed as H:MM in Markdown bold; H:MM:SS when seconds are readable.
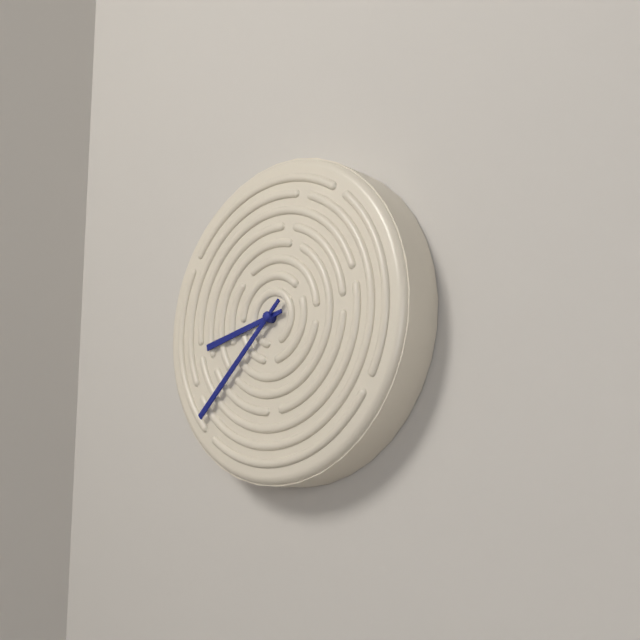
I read **8:38**
